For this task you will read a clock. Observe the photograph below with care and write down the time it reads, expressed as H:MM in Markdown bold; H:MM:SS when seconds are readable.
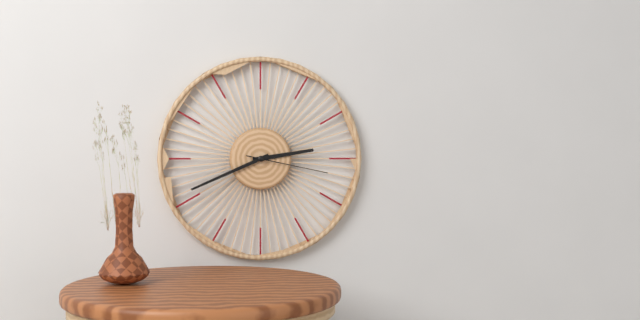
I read **2:41:17**
